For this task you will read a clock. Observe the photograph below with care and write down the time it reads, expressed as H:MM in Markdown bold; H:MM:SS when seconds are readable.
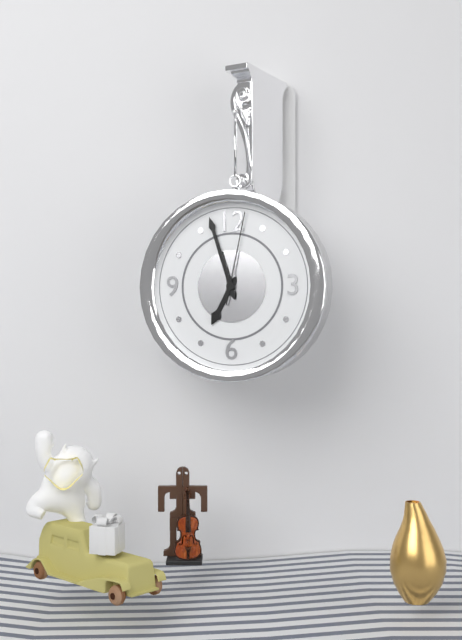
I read **6:57:02**
